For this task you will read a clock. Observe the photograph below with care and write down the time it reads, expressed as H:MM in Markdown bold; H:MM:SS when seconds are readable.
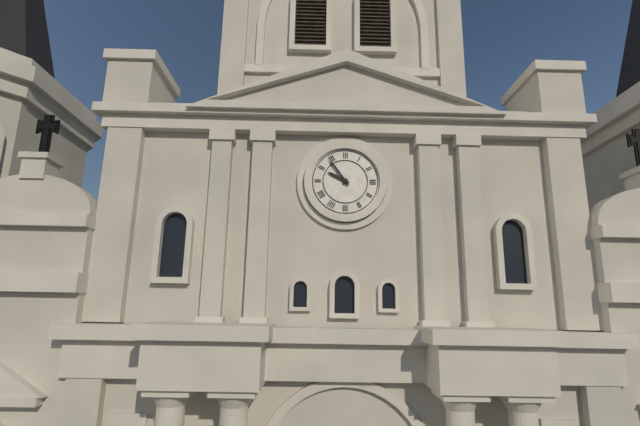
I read **9:54**
